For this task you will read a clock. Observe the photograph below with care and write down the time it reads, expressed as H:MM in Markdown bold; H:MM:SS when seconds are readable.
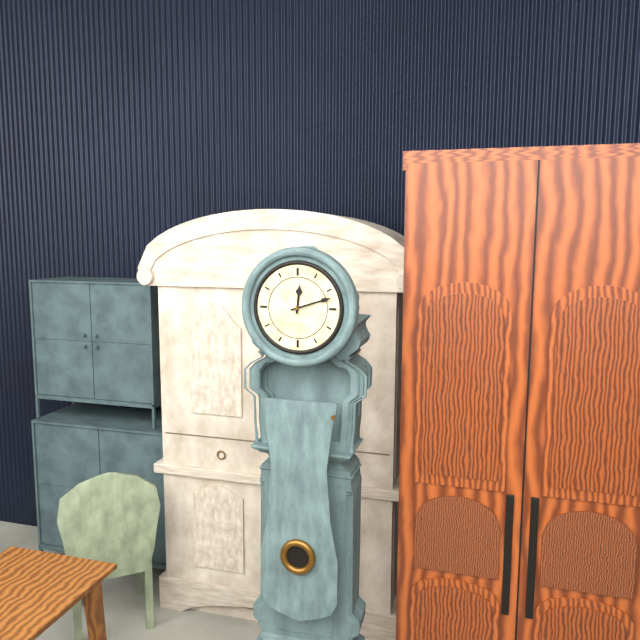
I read **12:12**
